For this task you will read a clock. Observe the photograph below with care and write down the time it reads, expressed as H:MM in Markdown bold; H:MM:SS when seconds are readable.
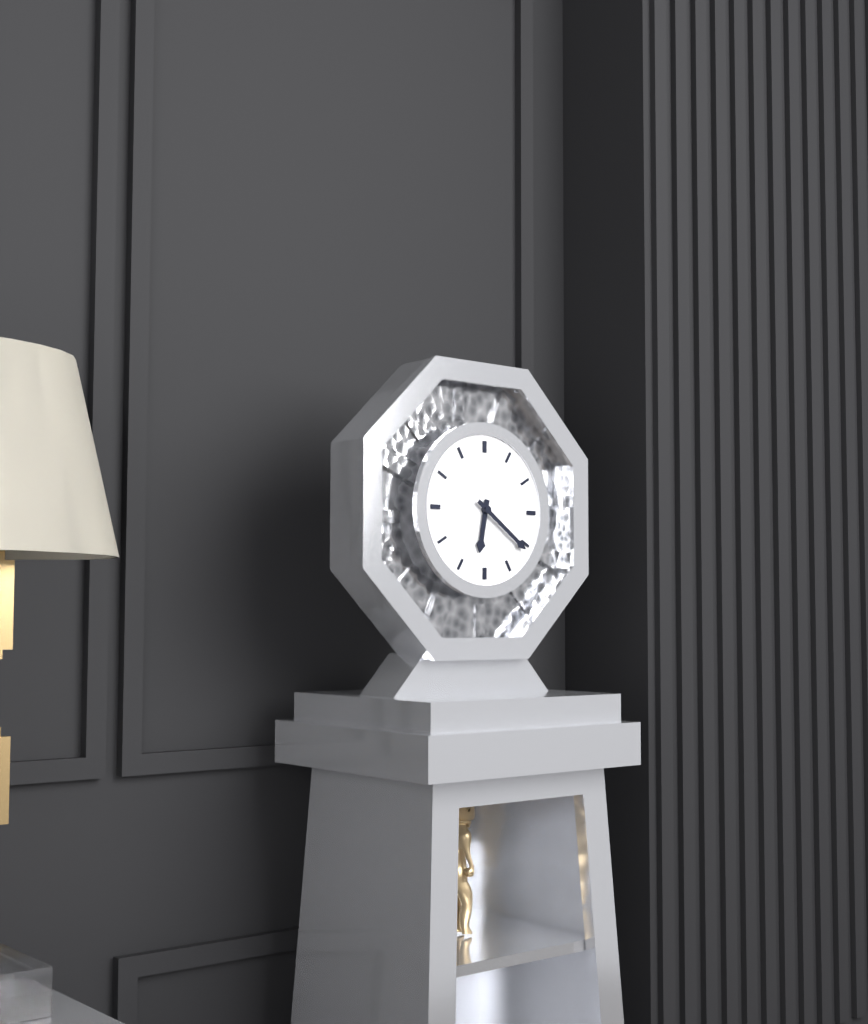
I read **6:21**
